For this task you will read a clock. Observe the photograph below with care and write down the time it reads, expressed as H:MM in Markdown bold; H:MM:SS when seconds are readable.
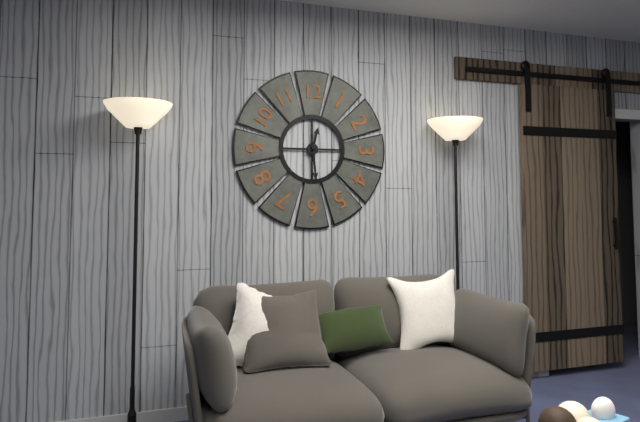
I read **12:29**
